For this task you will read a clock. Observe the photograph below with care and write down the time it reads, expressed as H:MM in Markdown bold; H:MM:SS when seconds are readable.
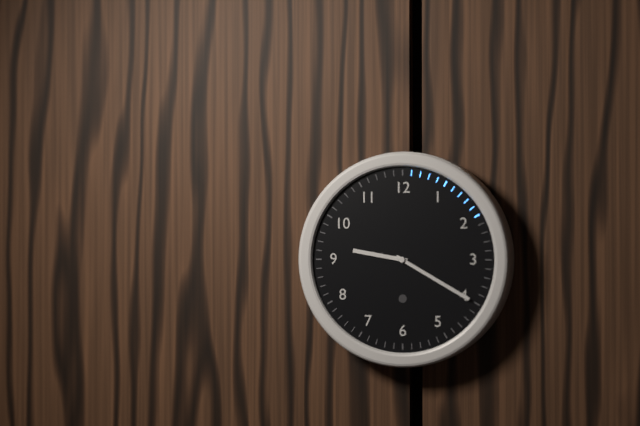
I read **9:20**
